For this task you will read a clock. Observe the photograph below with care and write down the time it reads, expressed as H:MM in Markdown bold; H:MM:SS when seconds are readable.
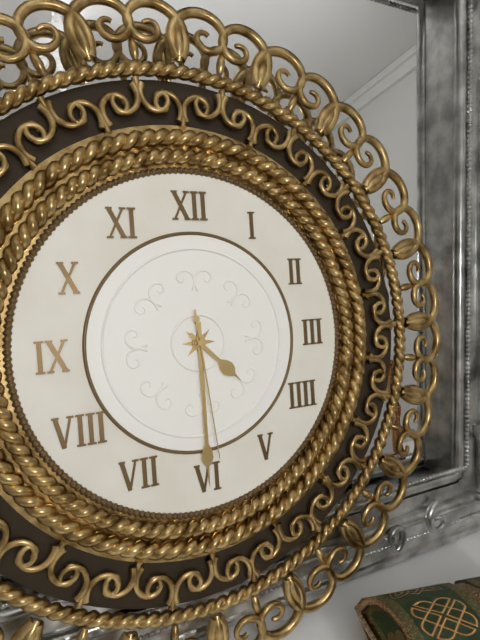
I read **4:30:29**
